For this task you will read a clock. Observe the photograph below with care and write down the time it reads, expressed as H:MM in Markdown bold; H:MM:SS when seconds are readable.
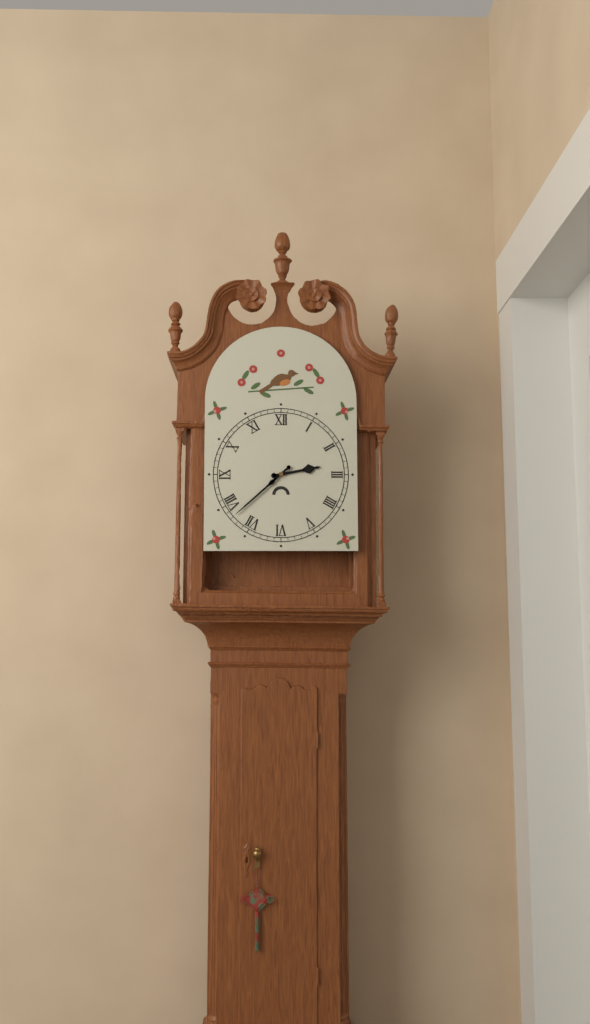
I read **2:38**
